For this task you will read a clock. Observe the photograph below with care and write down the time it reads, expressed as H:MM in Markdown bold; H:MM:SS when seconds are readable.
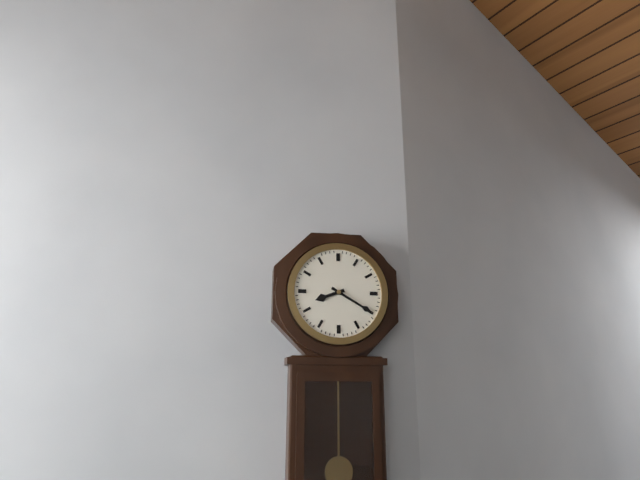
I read **8:20**
